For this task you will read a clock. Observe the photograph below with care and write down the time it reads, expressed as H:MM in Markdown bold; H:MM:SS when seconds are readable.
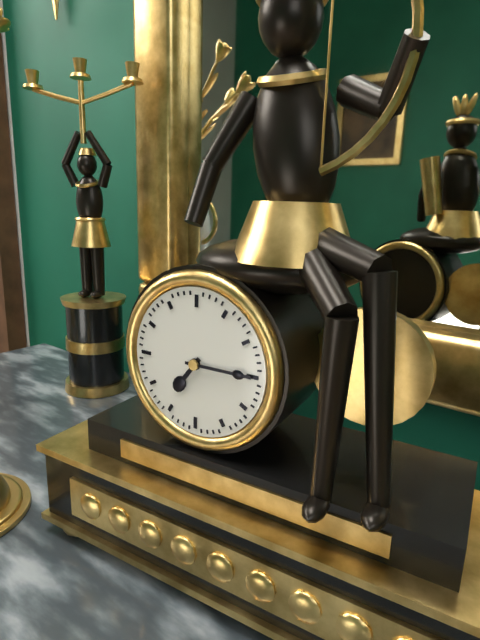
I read **7:15**
